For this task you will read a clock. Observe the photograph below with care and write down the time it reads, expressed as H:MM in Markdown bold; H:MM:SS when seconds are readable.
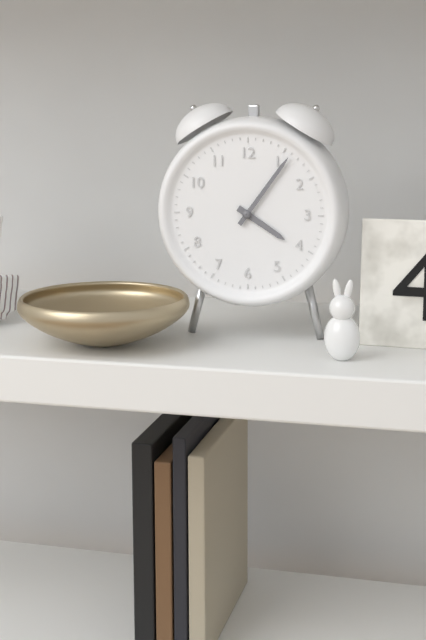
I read **4:06**
